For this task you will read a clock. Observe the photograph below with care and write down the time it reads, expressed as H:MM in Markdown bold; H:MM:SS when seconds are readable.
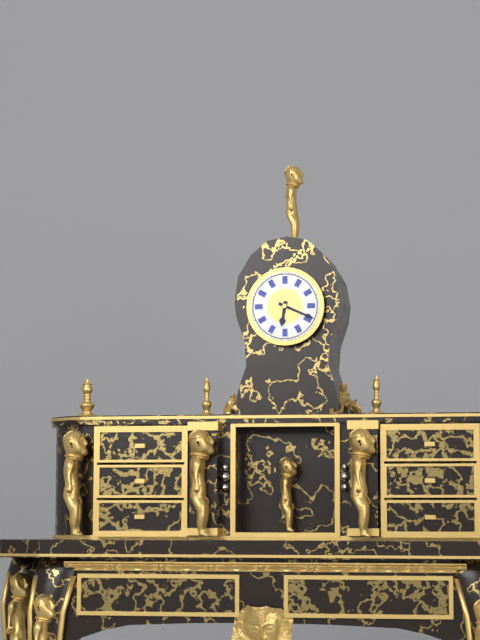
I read **6:19**
